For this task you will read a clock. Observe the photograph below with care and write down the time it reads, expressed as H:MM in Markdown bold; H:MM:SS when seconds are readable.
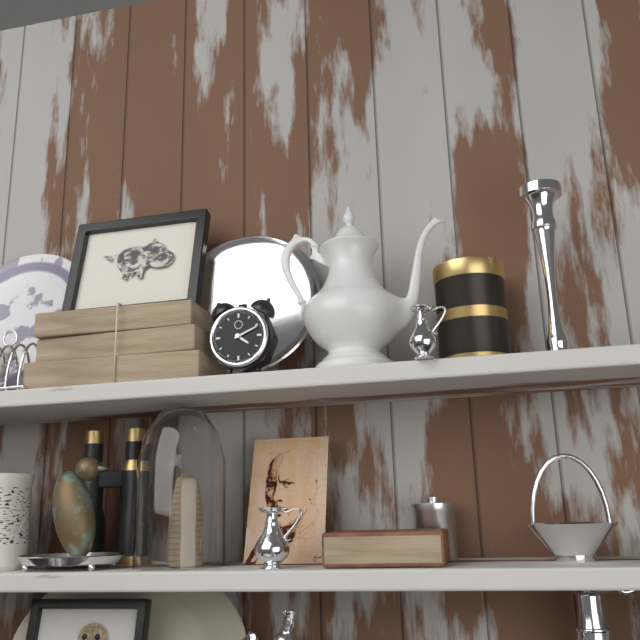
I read **4:11**
